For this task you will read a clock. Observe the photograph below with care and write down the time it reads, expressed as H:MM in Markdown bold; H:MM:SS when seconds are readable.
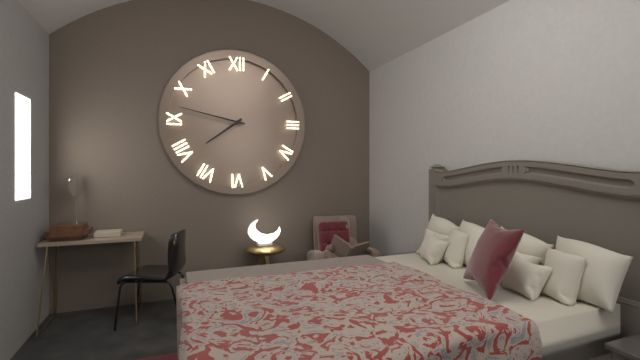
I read **7:47**
